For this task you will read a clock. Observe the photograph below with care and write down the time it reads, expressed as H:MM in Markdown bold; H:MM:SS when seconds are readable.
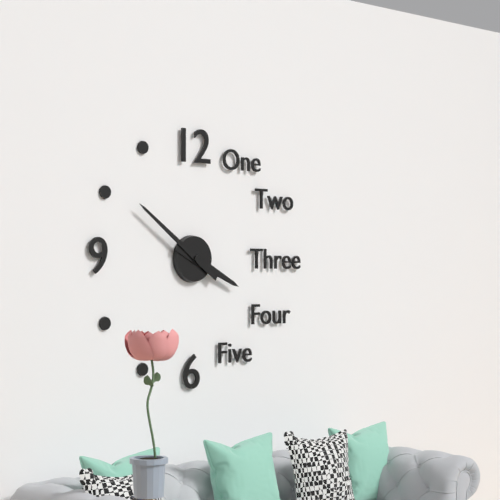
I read **3:51**
